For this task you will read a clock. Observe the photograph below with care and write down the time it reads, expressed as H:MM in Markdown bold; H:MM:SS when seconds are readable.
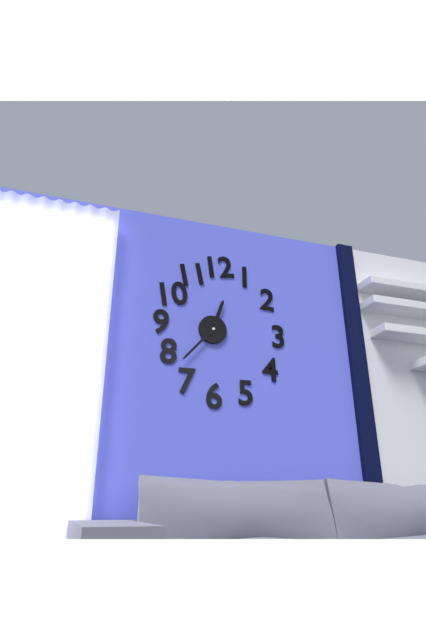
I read **12:37**
